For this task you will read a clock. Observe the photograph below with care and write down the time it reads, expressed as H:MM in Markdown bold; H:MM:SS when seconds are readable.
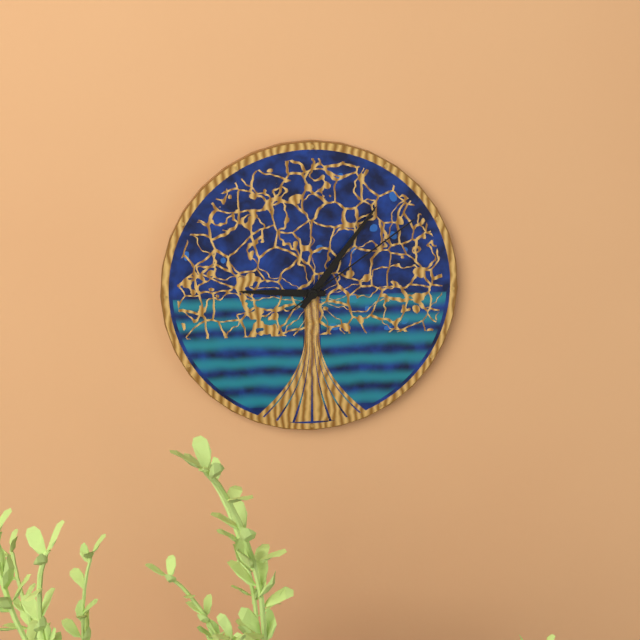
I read **9:06:09**
